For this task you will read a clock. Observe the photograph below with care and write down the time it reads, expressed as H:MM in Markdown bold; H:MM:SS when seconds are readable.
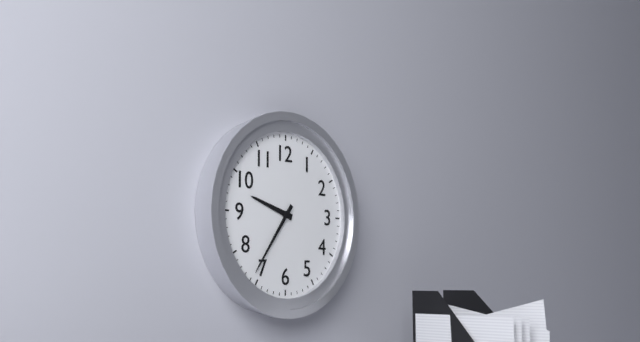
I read **9:36**
